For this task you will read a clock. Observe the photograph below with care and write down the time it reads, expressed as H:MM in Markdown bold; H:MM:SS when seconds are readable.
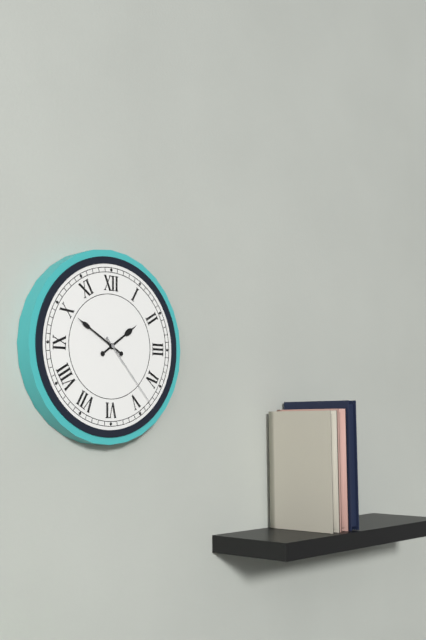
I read **1:50:23**
